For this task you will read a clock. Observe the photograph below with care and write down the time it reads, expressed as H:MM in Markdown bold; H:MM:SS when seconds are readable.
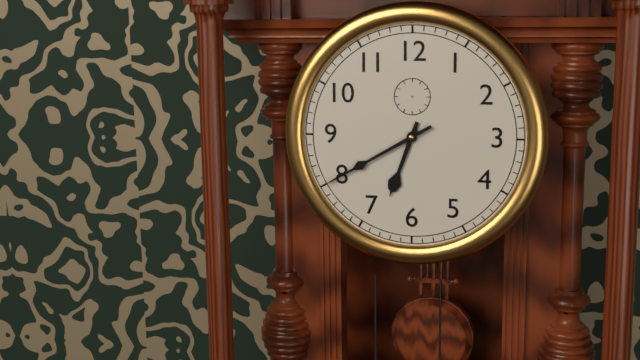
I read **6:40**
